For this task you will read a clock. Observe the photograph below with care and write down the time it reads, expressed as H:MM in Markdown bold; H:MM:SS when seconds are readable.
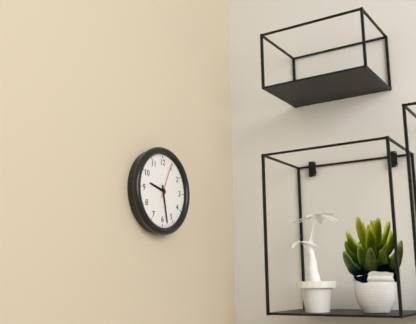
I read **9:28**
